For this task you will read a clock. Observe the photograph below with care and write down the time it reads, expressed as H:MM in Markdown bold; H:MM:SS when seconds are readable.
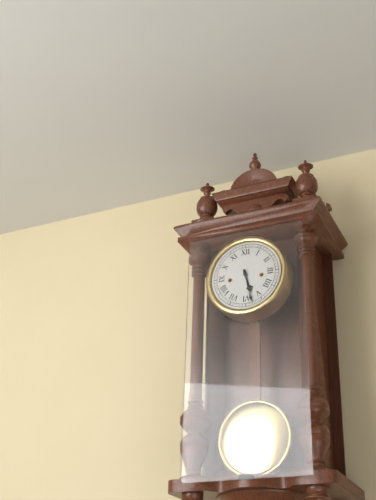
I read **5:28**
